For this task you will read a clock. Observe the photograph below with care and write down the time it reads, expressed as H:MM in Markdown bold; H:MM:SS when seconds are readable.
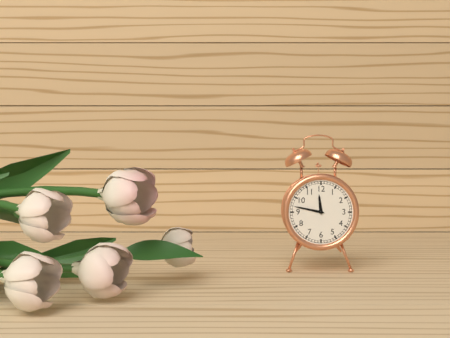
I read **11:47**
